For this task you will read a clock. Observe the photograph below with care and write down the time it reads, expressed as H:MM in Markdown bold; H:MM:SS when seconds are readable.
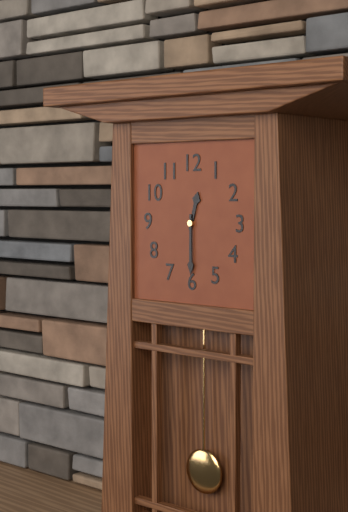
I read **12:30**
